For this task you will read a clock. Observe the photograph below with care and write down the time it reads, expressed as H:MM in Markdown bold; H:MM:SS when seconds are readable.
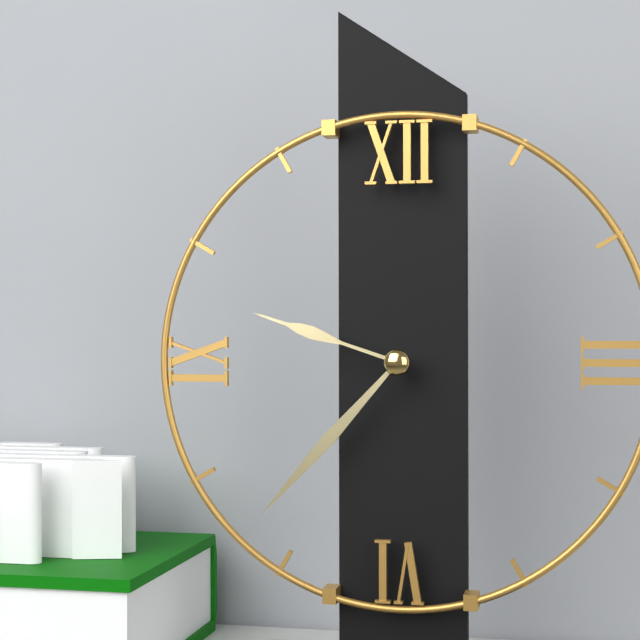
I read **9:37**
